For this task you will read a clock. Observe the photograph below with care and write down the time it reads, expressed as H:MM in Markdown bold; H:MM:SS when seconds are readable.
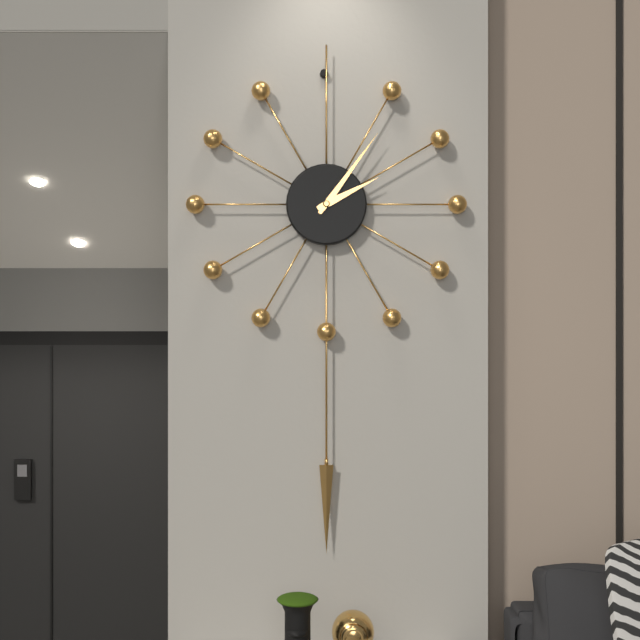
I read **2:06**
